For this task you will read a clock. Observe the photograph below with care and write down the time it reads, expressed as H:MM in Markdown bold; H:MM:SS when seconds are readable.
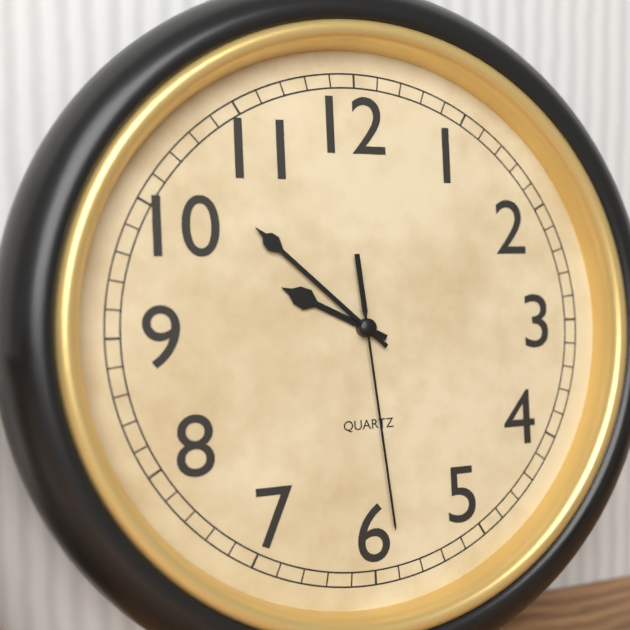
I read **9:52:29**
